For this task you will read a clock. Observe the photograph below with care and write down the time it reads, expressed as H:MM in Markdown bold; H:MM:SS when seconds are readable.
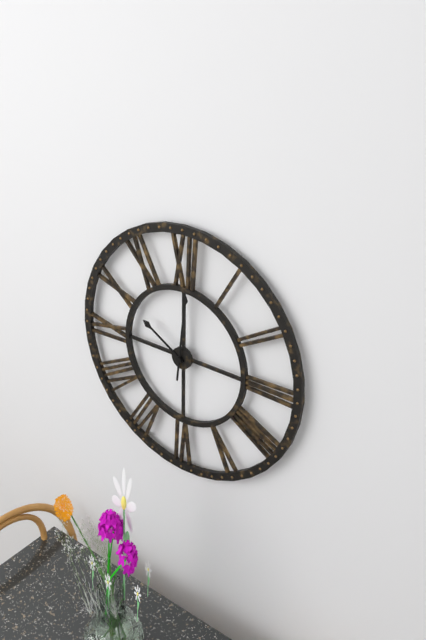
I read **10:01**
